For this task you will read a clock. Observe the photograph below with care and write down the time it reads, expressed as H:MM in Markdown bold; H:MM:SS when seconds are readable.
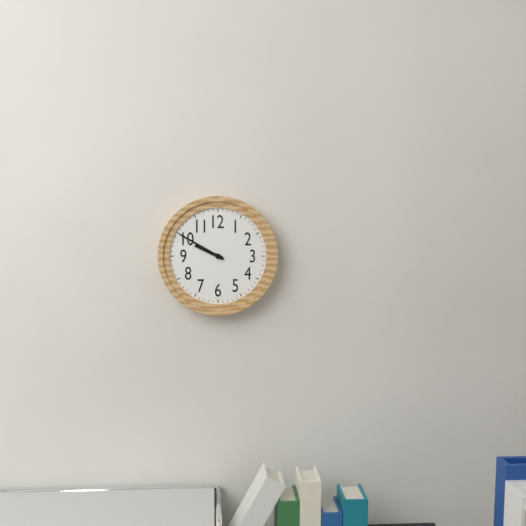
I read **9:50**
